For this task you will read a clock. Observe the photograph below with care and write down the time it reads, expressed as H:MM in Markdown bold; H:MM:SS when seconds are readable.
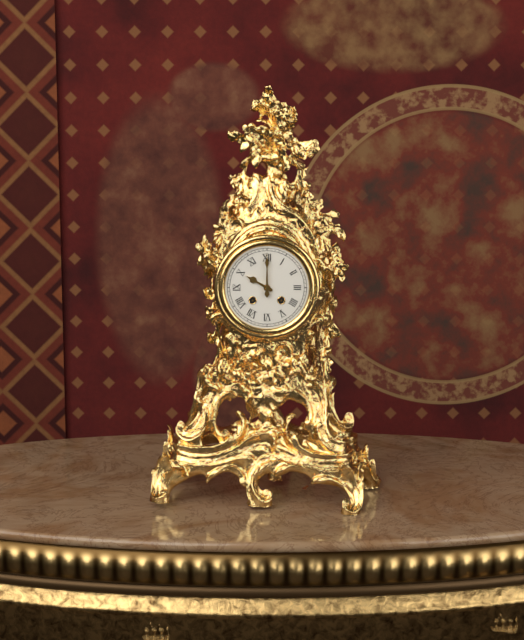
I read **10:00**
